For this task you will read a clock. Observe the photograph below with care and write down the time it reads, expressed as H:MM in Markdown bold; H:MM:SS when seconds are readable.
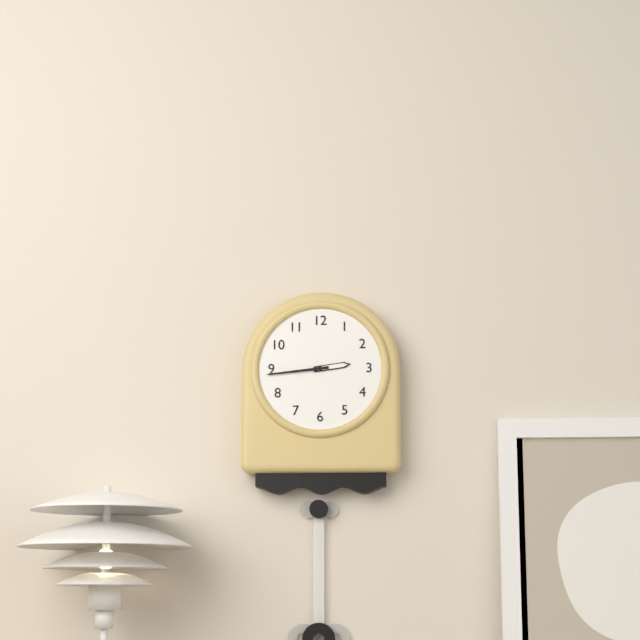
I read **2:44**
